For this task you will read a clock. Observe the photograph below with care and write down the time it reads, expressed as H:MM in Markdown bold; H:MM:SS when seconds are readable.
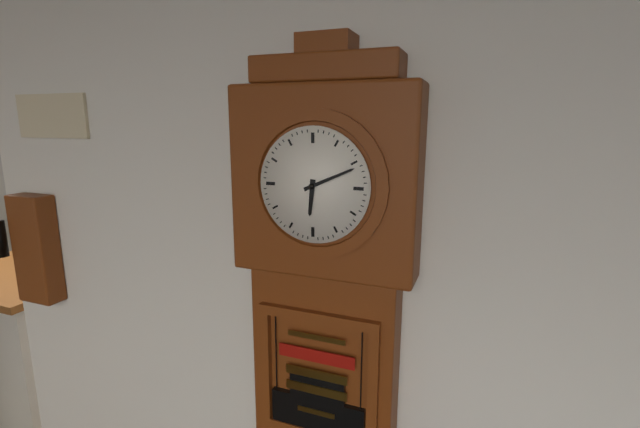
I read **6:11**
